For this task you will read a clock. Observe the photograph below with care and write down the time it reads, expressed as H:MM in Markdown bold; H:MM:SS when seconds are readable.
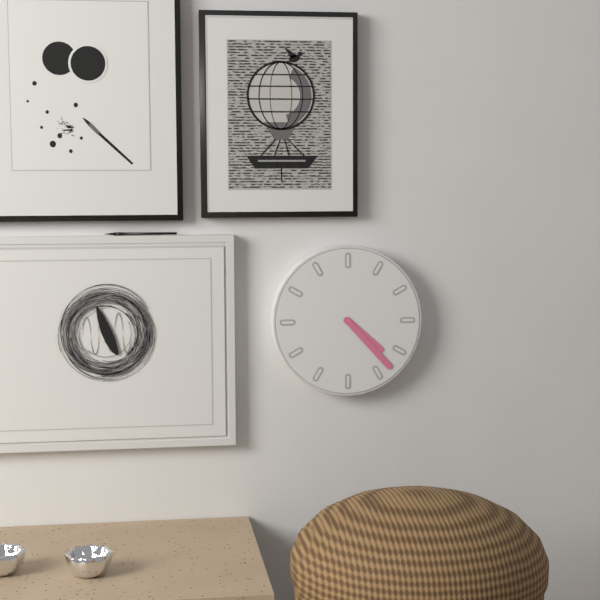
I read **4:23**
